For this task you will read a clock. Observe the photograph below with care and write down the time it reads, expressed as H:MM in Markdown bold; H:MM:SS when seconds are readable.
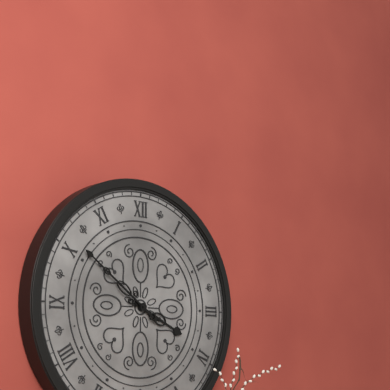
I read **3:51**
